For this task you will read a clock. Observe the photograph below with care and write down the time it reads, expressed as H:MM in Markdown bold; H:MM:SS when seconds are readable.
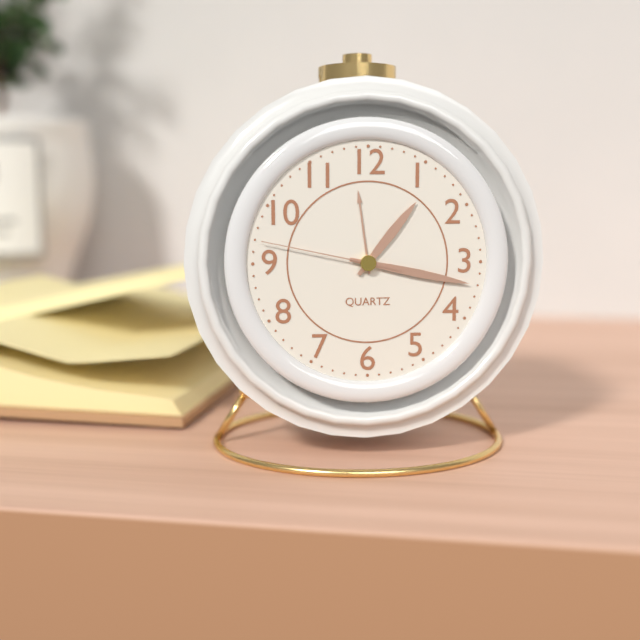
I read **1:17:47**
